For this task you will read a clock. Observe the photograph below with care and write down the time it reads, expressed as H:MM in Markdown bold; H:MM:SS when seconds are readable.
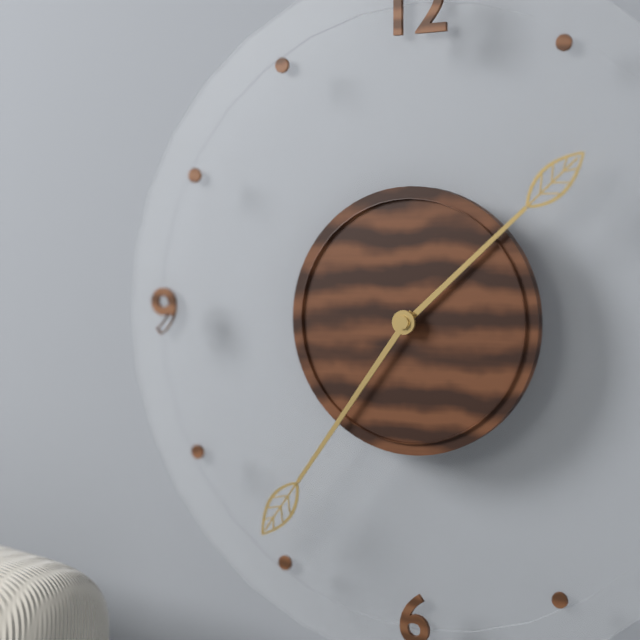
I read **1:36**
